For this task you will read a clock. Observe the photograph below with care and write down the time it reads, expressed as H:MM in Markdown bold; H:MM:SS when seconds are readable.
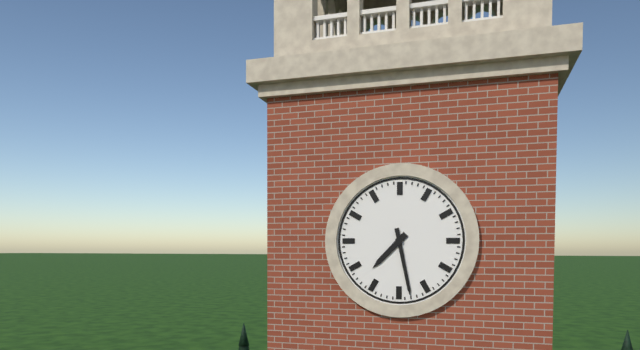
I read **7:28**
